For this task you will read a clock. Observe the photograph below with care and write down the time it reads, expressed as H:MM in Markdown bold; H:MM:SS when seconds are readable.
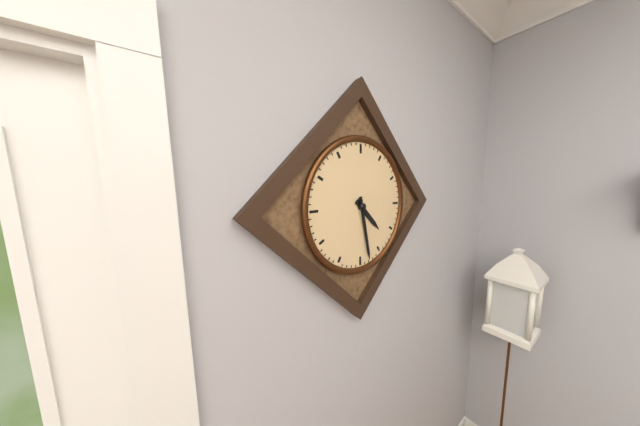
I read **4:28**
